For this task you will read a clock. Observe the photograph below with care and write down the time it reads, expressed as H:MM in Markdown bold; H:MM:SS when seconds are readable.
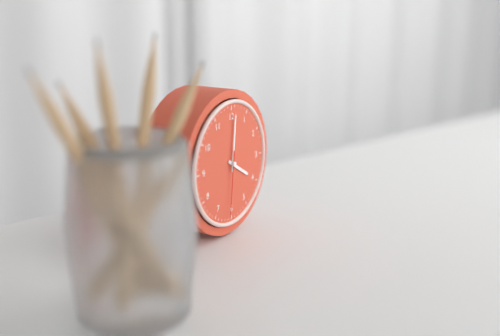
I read **4:01:31**
